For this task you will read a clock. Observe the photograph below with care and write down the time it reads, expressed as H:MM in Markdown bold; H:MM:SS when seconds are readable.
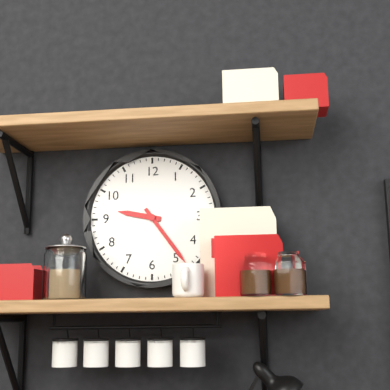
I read **9:24**
